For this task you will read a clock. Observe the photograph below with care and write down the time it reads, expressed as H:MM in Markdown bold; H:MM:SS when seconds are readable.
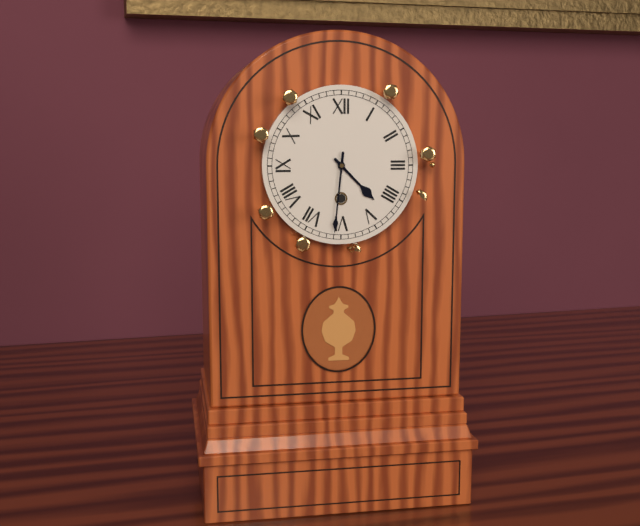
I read **4:31**
